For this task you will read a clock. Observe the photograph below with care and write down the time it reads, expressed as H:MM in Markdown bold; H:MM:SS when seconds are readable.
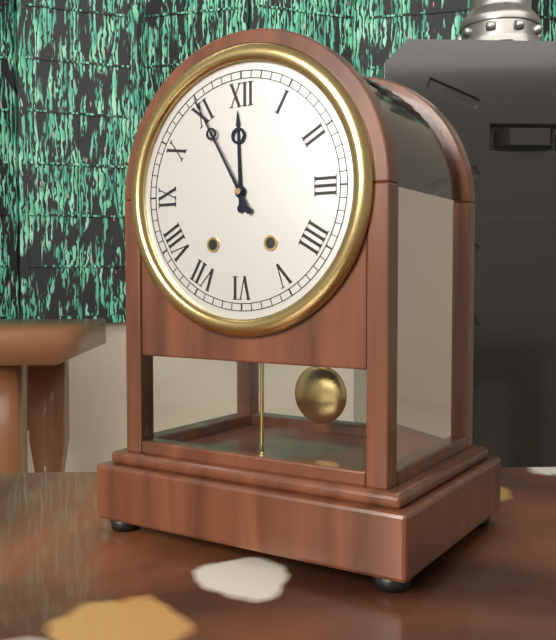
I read **11:55**
